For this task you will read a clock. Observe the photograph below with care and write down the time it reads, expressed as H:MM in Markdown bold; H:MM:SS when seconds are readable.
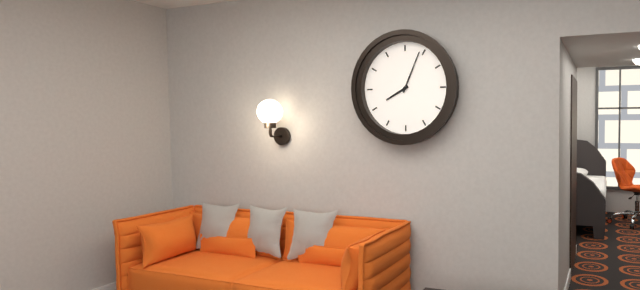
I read **8:04**
